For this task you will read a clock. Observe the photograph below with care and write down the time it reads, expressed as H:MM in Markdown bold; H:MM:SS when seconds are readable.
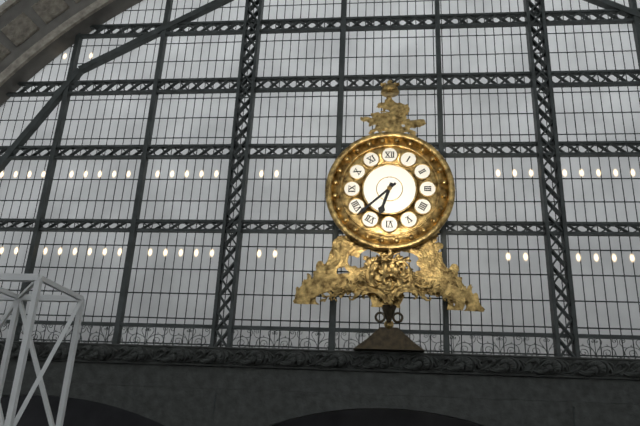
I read **6:38**
